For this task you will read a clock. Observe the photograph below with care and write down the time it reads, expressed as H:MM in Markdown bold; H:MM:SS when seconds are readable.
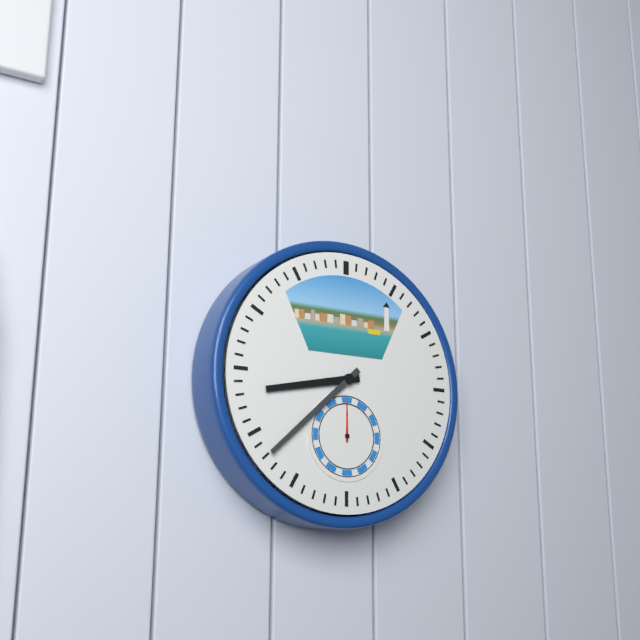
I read **8:38**
